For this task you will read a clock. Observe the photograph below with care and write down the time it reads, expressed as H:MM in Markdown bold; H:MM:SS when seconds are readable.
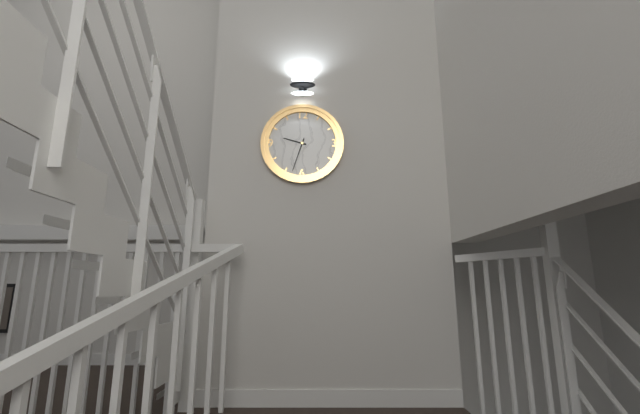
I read **9:33**
